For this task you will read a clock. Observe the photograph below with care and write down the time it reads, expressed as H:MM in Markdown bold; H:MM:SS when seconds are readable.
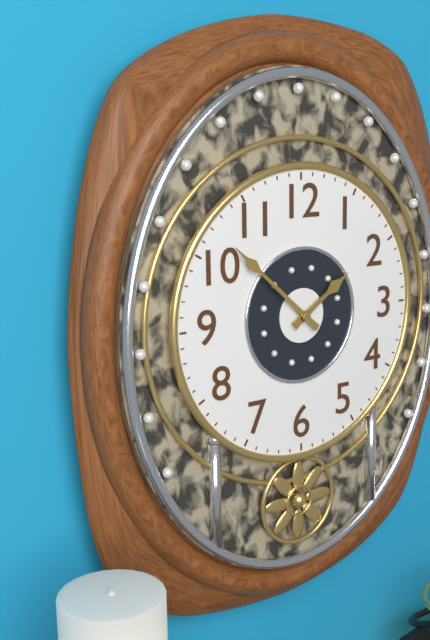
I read **1:52**
